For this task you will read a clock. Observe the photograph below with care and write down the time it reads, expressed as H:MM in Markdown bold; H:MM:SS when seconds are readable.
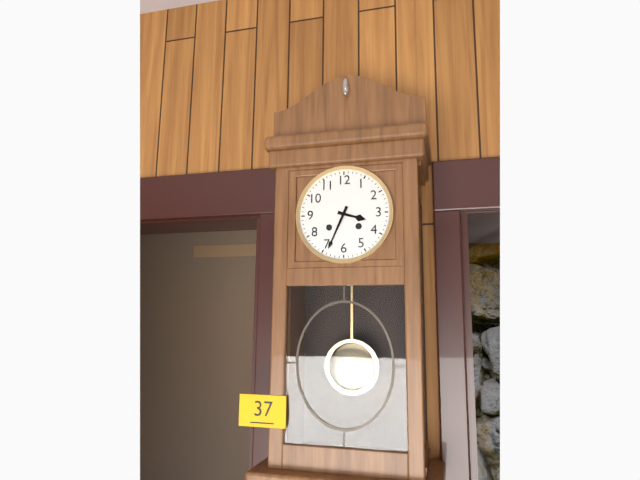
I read **3:34**
